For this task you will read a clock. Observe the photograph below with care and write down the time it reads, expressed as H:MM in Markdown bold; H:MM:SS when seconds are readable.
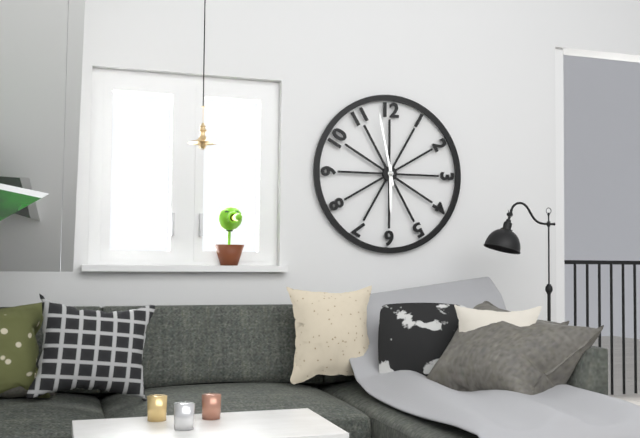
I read **5:58**
